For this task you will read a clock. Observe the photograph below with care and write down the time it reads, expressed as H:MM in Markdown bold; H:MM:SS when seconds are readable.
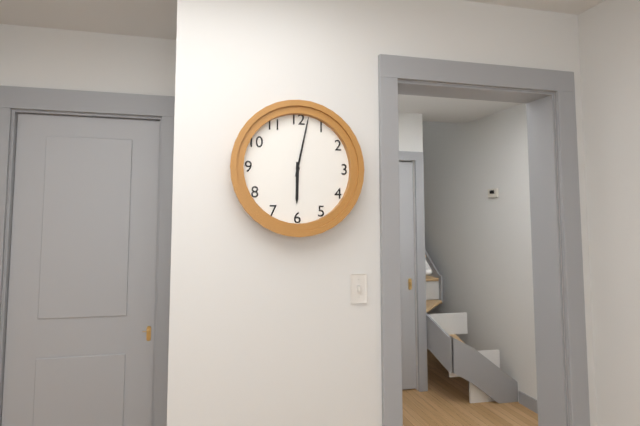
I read **6:02**
